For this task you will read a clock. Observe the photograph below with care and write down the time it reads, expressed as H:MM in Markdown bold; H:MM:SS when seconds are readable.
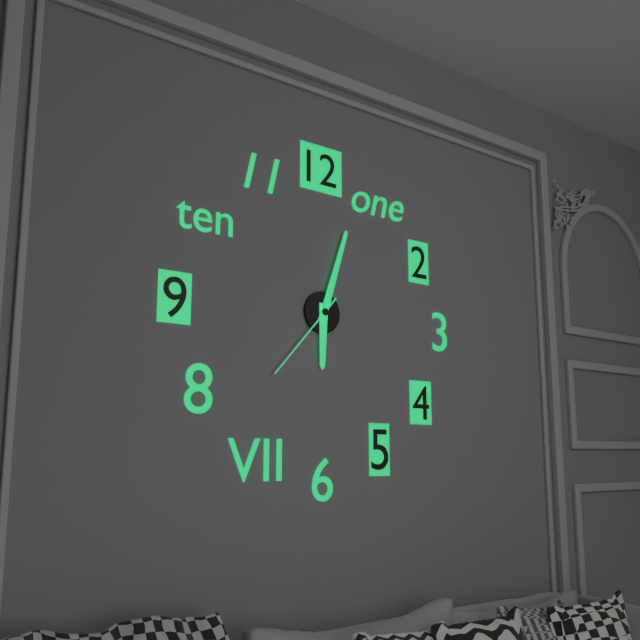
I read **6:03:37**
